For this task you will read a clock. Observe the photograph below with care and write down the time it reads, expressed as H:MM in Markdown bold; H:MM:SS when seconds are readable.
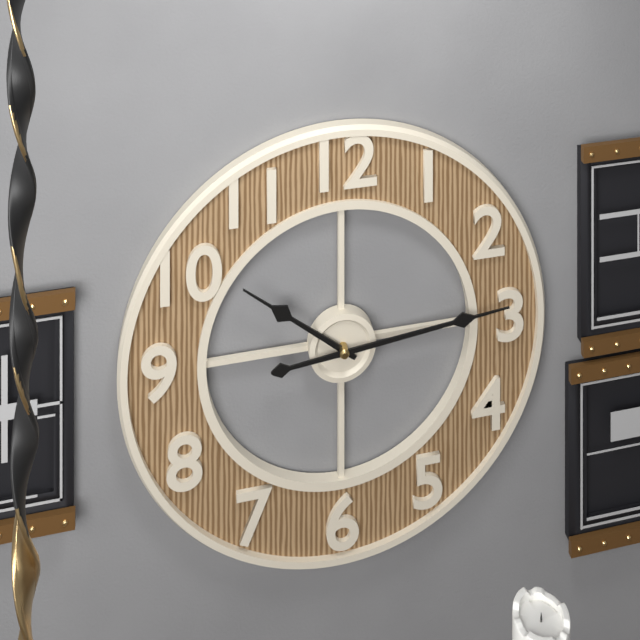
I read **10:14**
